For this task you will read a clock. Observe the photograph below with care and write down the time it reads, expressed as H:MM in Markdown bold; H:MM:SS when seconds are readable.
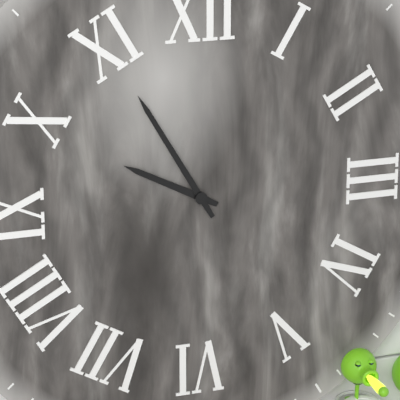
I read **9:55**
